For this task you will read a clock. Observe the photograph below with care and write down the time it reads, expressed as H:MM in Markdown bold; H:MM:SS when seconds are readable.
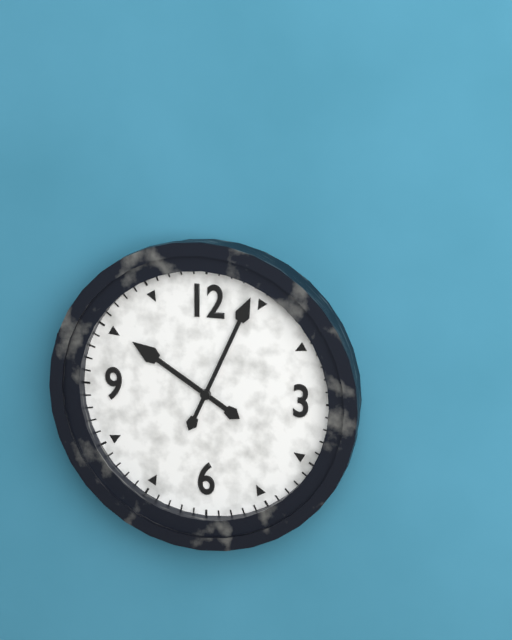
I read **10:04**
